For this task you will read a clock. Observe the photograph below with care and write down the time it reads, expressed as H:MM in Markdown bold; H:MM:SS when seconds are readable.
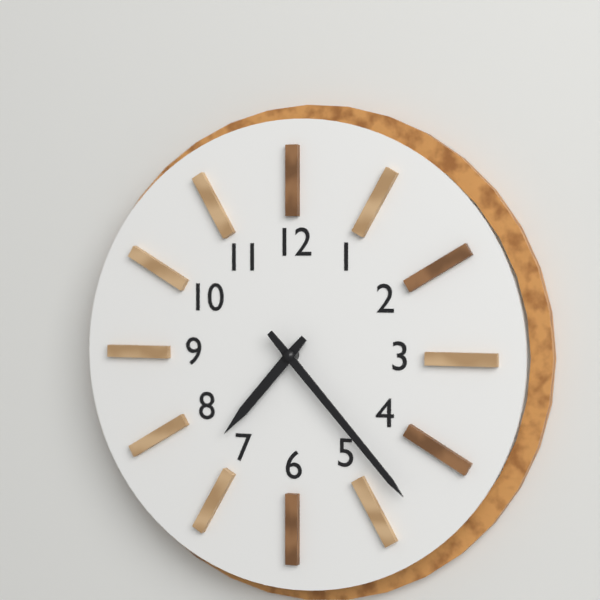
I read **7:23**
